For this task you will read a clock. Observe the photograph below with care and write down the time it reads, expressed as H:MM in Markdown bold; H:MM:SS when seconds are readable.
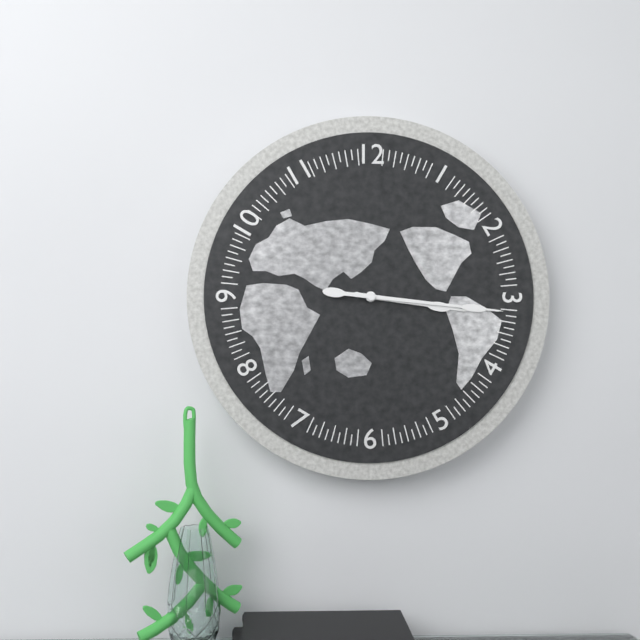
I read **3:16**
